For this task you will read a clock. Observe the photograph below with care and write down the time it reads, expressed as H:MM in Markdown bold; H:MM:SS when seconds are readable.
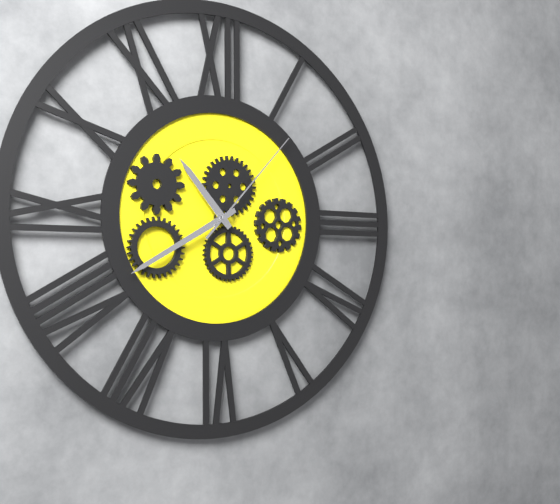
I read **10:40:07**
